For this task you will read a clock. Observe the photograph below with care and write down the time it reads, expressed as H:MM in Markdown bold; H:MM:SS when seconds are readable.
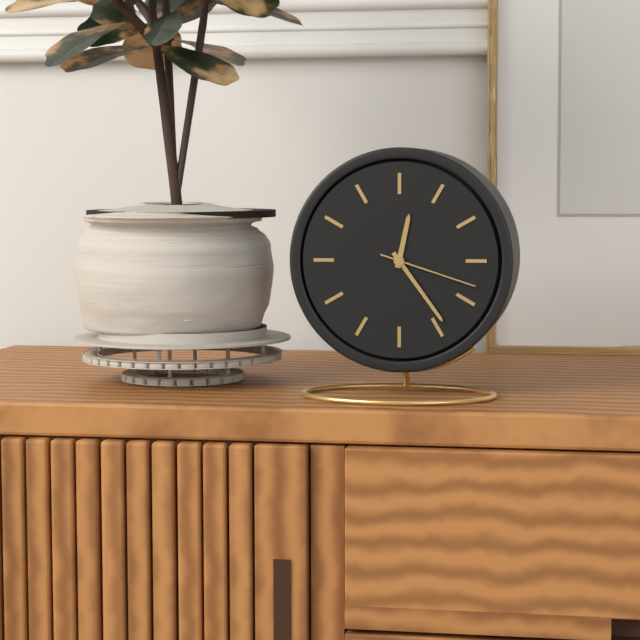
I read **12:24:18**
